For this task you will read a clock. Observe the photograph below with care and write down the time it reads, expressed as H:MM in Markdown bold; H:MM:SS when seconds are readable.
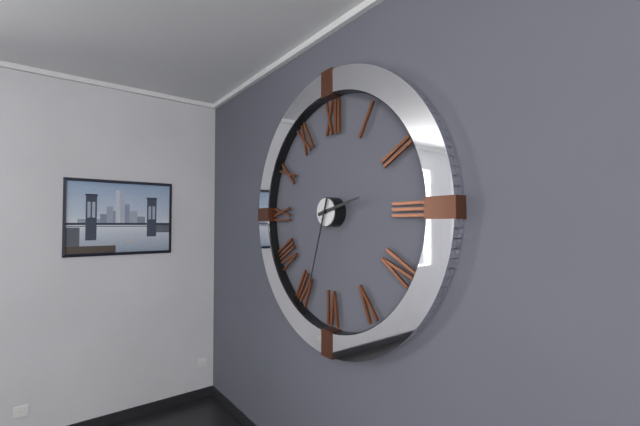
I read **2:33**
